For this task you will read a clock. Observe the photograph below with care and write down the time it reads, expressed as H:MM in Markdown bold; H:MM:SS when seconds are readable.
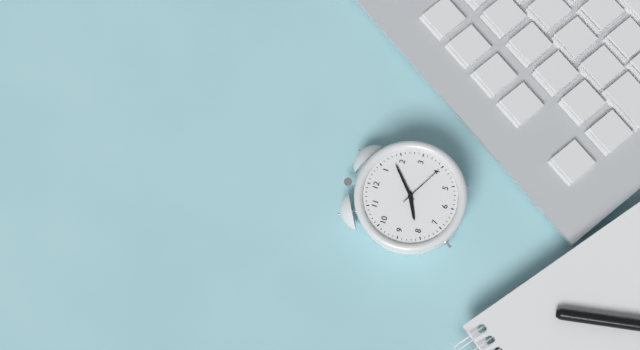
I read **8:08:20**
